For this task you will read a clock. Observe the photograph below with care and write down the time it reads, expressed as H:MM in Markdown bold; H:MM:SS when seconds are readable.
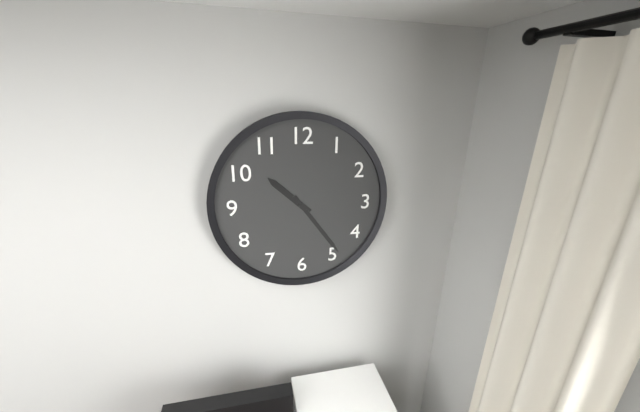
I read **10:24**
